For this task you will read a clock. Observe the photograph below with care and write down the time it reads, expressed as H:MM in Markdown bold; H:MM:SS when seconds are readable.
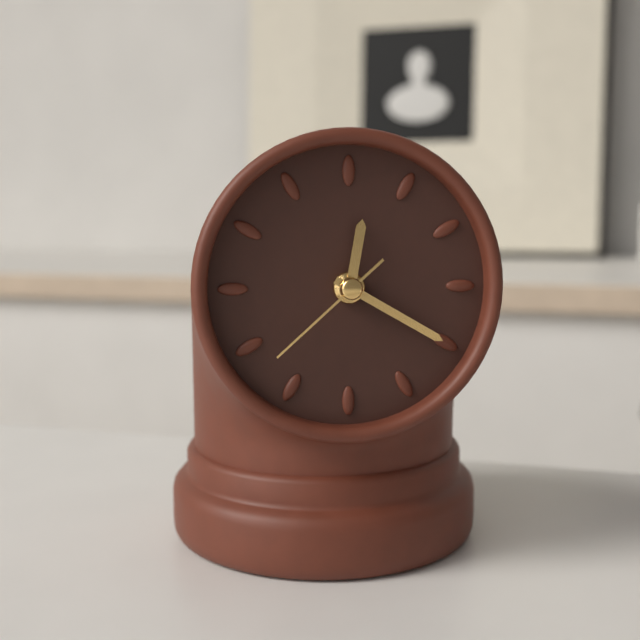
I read **12:20:38**
